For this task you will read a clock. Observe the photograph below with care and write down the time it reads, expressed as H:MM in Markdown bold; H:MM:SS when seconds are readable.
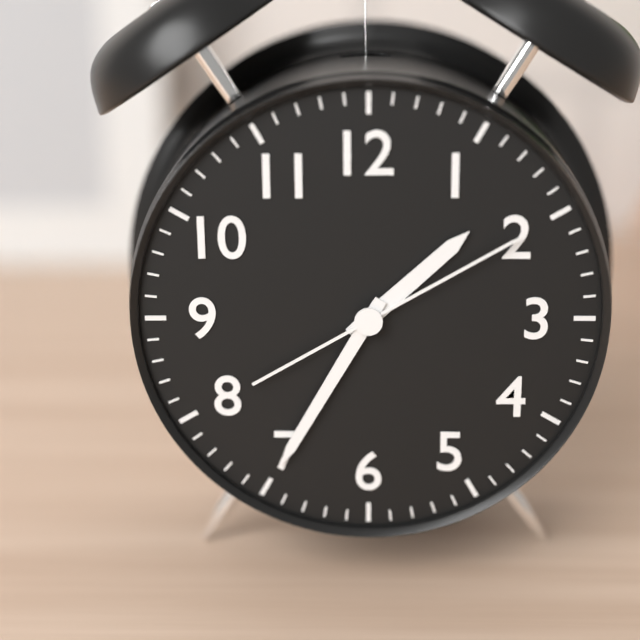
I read **1:35:10**
